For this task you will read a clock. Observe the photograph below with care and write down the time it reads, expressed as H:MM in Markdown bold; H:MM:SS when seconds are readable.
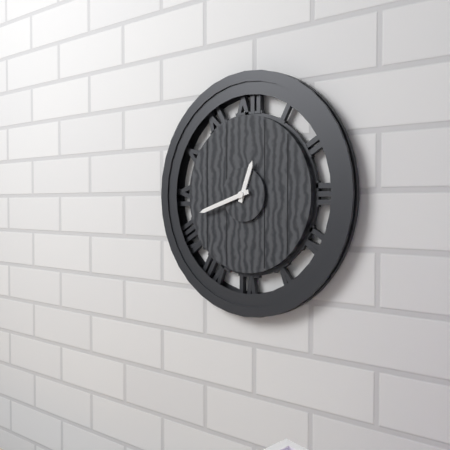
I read **12:42**
